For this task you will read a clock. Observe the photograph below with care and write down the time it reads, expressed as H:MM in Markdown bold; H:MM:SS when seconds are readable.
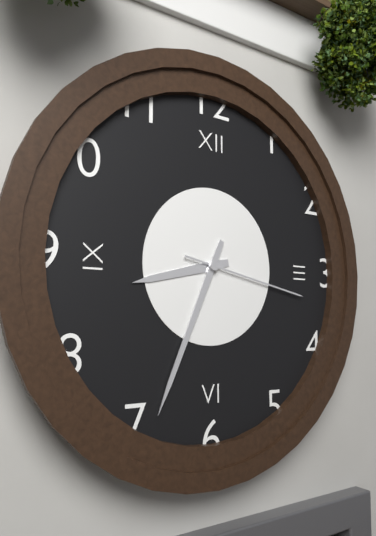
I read **8:34:17**
